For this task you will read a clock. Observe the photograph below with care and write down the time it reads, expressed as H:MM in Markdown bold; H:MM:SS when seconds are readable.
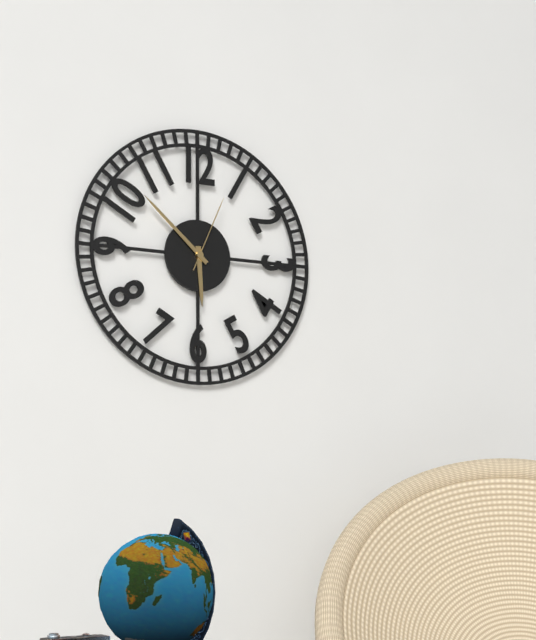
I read **5:52:04**
